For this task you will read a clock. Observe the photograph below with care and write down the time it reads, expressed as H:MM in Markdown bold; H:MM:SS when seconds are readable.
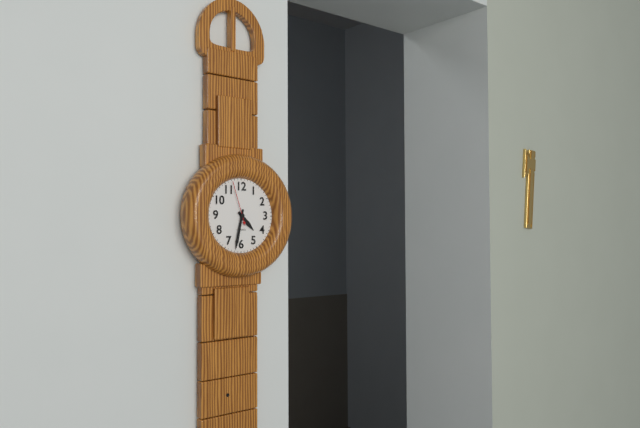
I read **4:32**
